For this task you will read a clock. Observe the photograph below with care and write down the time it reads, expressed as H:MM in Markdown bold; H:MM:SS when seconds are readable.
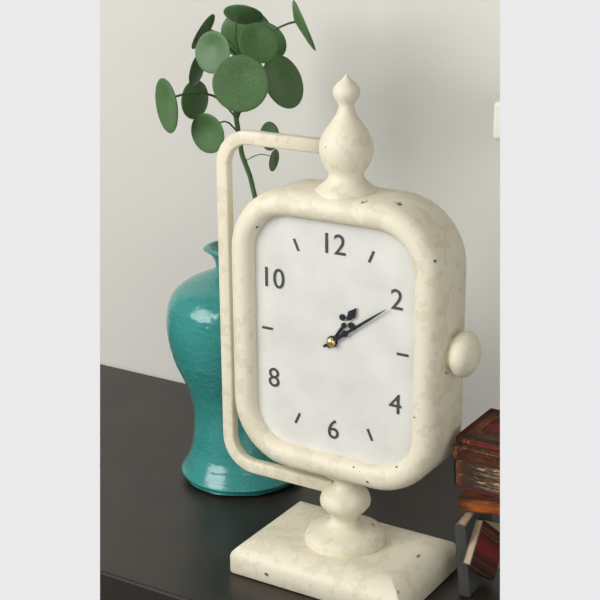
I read **1:09**
